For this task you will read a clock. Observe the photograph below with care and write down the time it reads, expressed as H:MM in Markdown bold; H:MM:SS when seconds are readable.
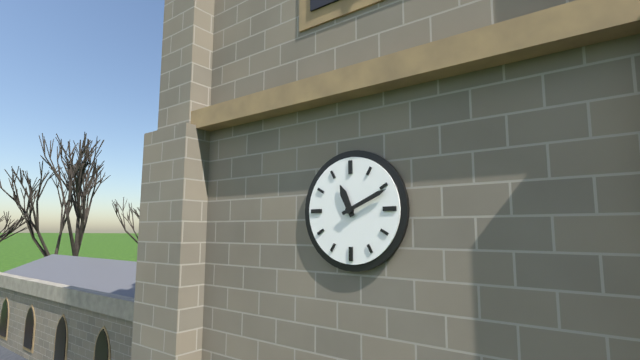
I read **11:11**
